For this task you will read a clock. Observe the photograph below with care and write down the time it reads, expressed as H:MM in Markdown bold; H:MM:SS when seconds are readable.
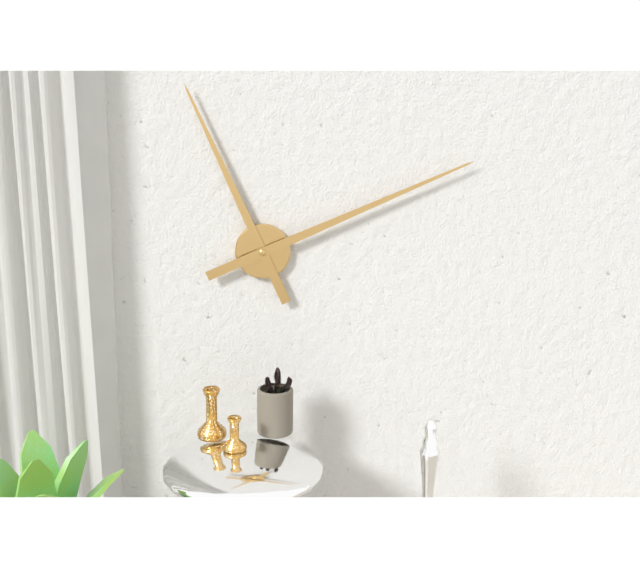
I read **11:11**
